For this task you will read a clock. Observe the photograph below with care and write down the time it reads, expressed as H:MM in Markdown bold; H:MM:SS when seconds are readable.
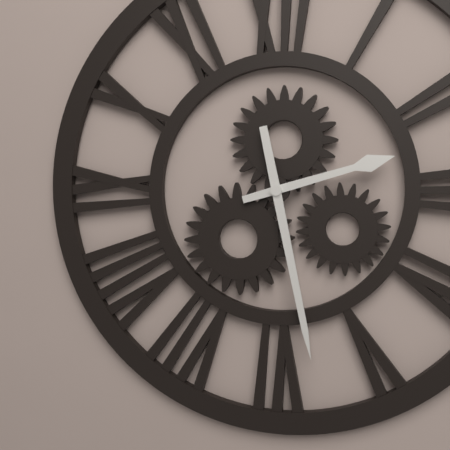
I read **2:28**
